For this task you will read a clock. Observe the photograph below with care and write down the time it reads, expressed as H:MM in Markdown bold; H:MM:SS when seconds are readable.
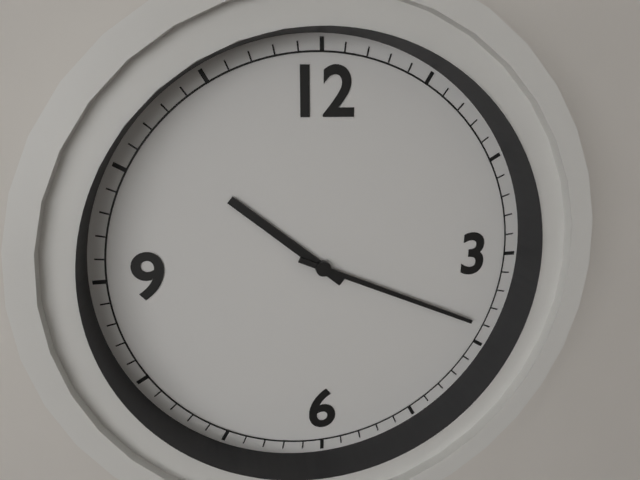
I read **10:19**
